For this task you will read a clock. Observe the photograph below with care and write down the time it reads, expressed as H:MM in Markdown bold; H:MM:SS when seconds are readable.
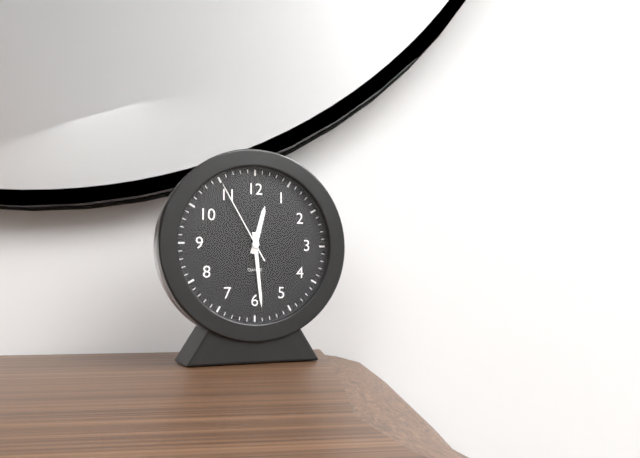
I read **12:29:55**
